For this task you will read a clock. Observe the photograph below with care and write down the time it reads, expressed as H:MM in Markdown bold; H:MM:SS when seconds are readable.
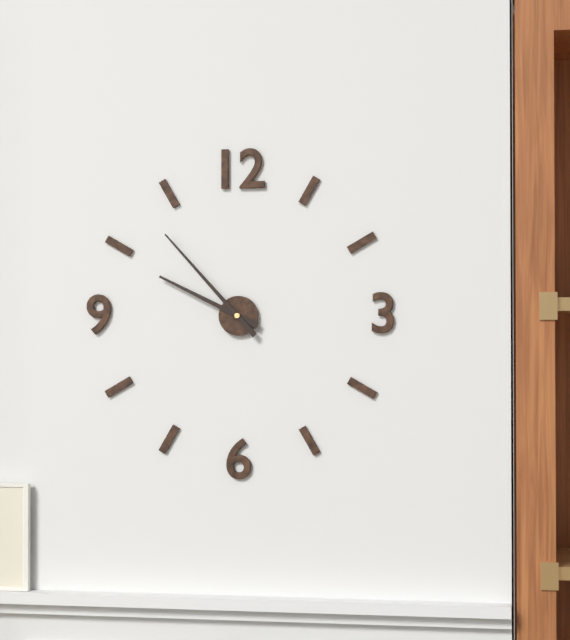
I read **9:53**
